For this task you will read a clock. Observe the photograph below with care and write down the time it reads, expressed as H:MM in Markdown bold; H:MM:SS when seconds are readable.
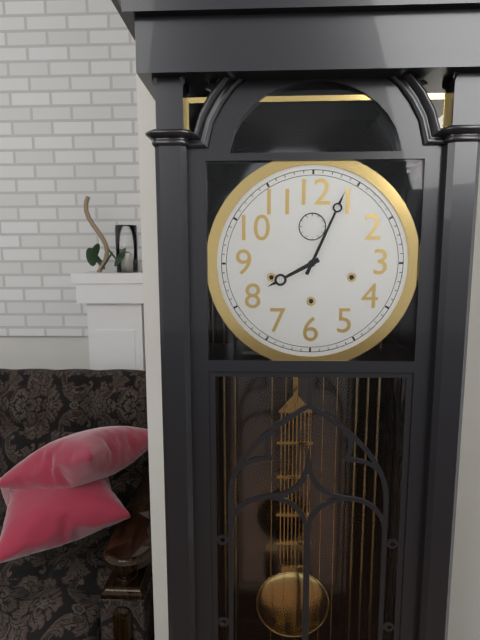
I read **8:04**
